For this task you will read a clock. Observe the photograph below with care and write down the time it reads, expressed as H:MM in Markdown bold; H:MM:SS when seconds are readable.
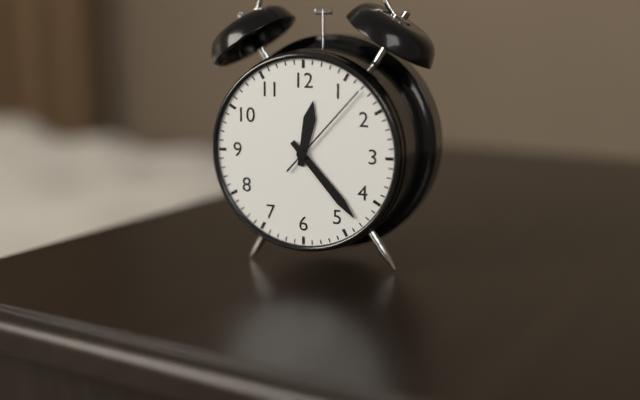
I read **12:23:07**
